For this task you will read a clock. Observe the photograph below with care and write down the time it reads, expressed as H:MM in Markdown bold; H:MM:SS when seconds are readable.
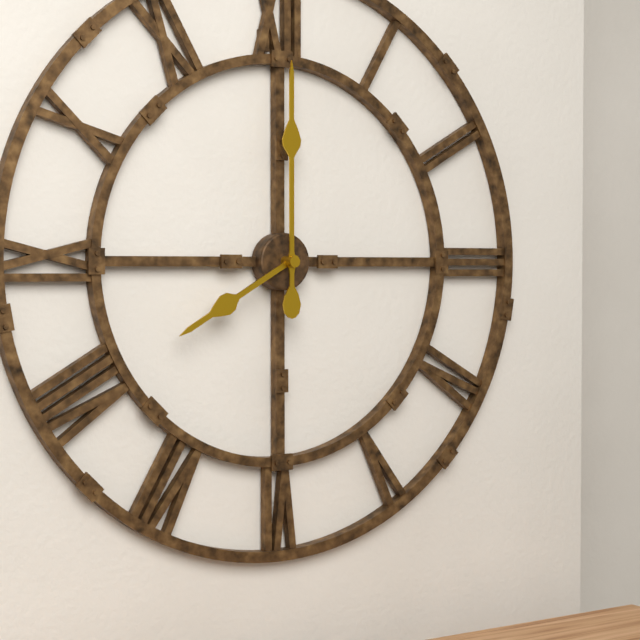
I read **8:00**
